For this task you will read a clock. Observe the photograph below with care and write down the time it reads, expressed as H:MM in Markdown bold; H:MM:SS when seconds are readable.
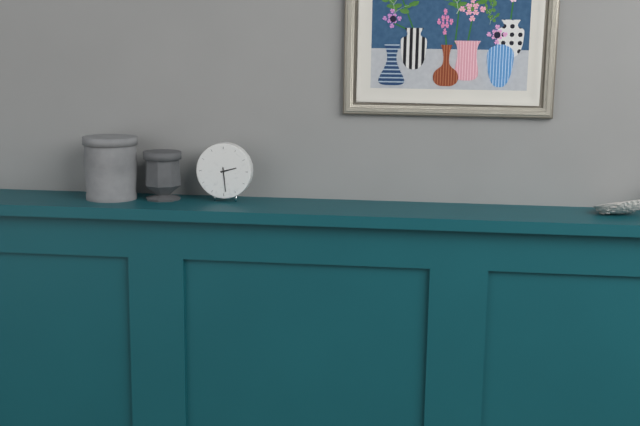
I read **2:29**
